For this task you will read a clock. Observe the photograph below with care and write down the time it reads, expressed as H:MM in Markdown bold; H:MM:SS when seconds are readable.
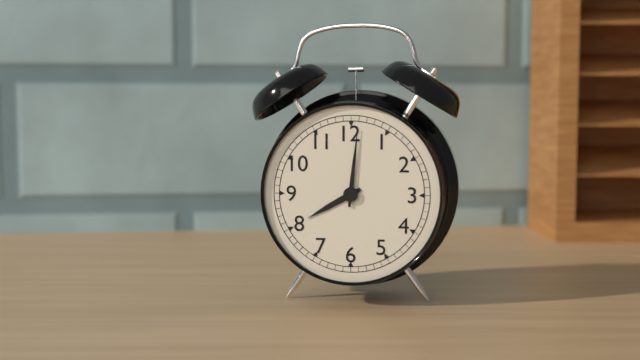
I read **8:01**
